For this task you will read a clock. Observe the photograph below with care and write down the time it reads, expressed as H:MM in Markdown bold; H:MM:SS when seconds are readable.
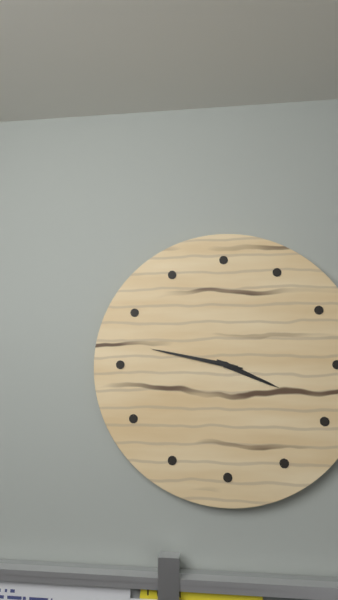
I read **3:47:47**
